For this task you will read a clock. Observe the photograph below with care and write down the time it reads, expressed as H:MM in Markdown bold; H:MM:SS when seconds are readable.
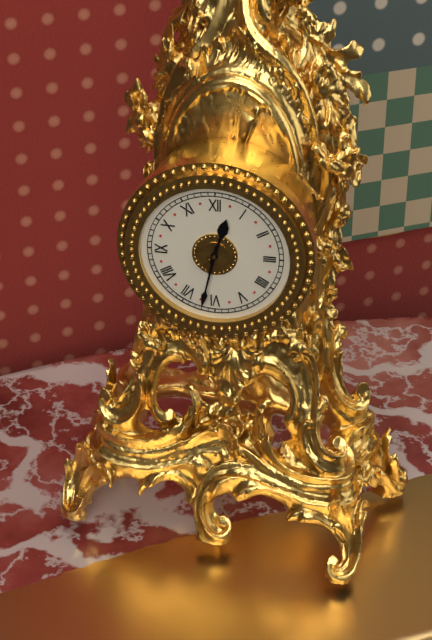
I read **12:32**
